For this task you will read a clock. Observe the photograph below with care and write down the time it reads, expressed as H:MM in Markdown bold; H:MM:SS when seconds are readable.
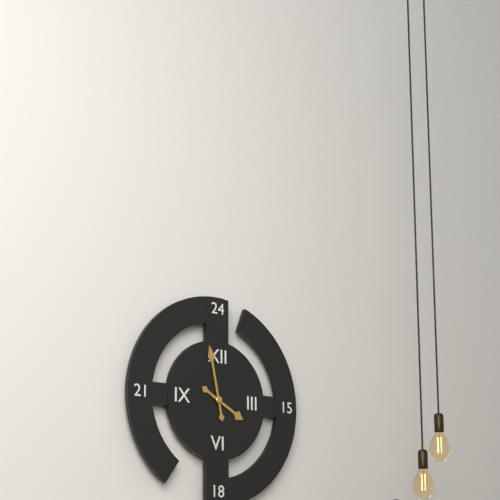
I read **3:58**
